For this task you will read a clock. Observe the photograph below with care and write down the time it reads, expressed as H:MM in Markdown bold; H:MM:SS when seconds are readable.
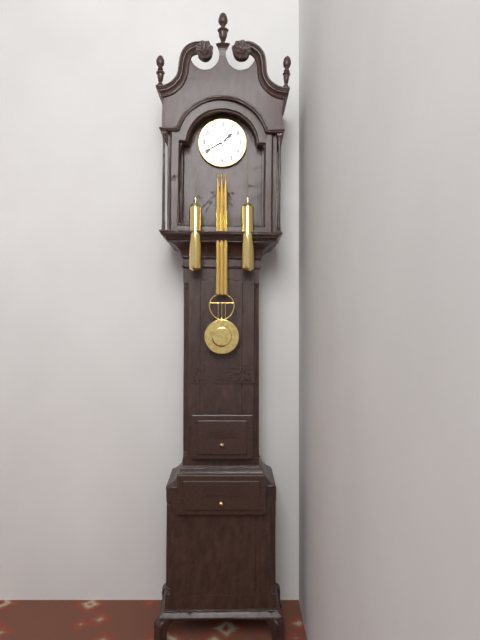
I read **1:40**
